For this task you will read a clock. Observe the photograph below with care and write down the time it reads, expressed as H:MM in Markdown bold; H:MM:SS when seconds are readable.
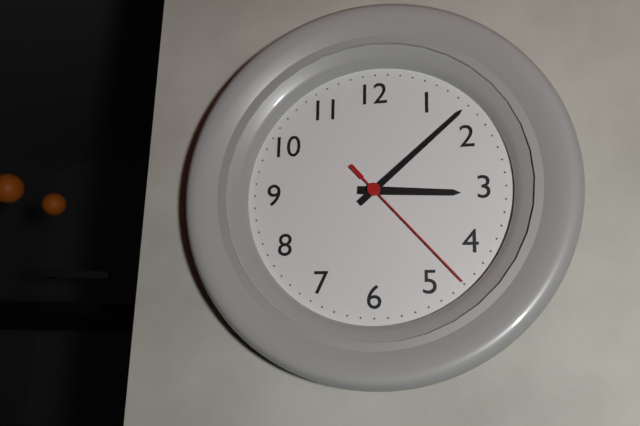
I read **3:08:23**
